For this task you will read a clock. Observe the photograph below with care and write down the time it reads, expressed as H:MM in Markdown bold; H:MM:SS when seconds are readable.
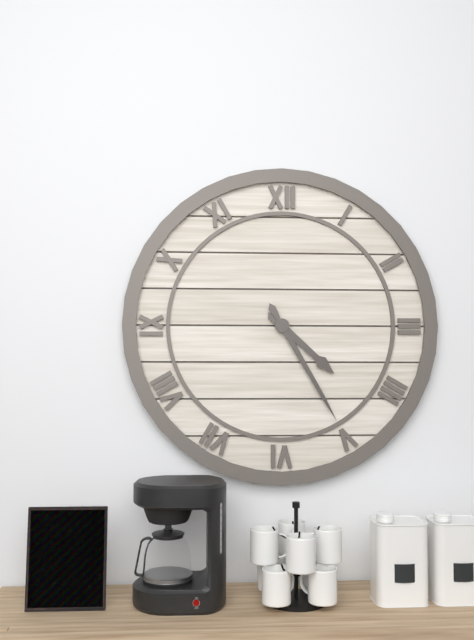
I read **4:25**
